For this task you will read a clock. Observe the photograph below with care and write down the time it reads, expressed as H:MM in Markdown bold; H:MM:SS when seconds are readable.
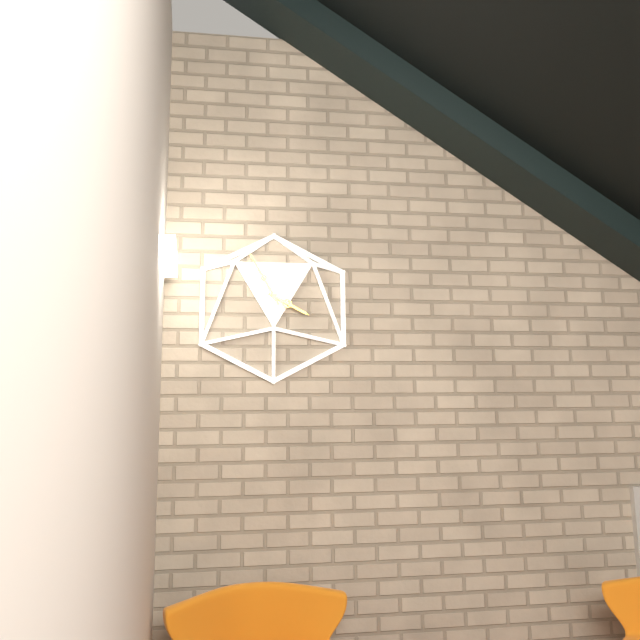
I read **3:55**
